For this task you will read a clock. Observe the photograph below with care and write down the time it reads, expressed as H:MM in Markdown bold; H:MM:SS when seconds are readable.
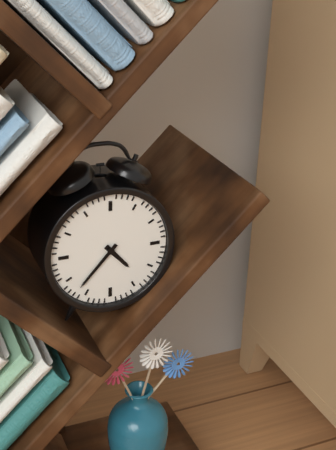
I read **4:37**
